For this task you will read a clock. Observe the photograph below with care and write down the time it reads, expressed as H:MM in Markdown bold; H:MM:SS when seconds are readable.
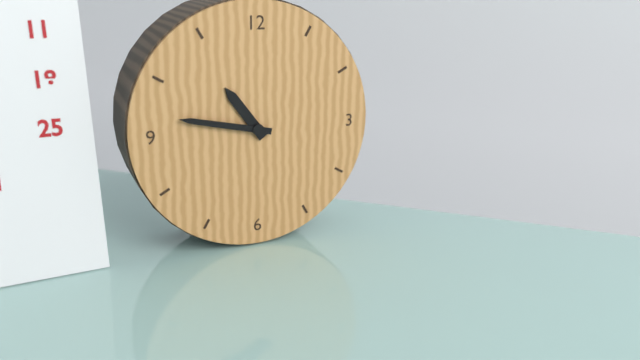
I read **10:47**
